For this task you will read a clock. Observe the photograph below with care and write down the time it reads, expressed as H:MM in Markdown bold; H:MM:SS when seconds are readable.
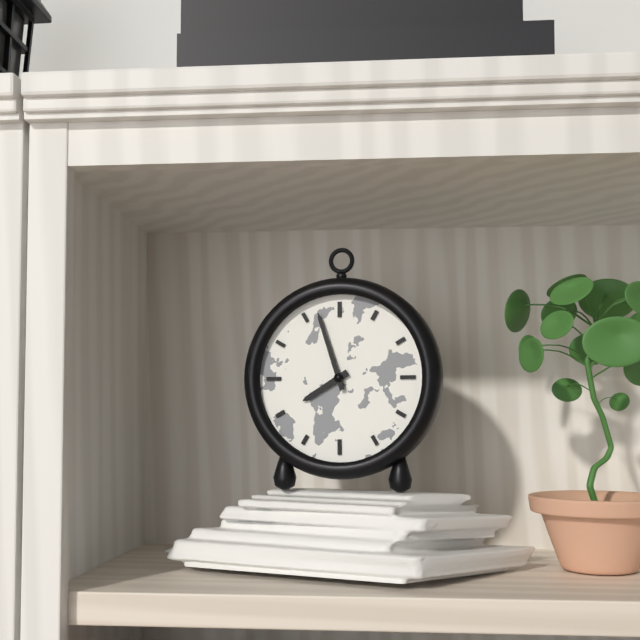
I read **7:57**
